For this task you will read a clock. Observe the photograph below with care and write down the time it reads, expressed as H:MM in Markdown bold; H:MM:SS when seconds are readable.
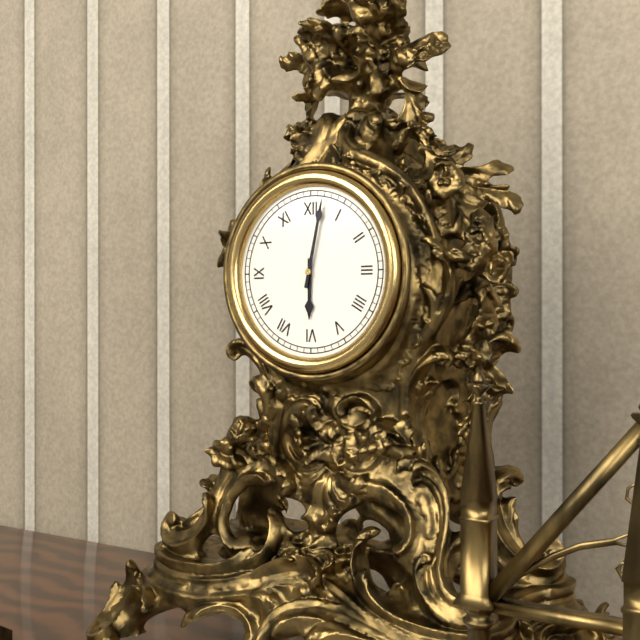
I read **6:02**
